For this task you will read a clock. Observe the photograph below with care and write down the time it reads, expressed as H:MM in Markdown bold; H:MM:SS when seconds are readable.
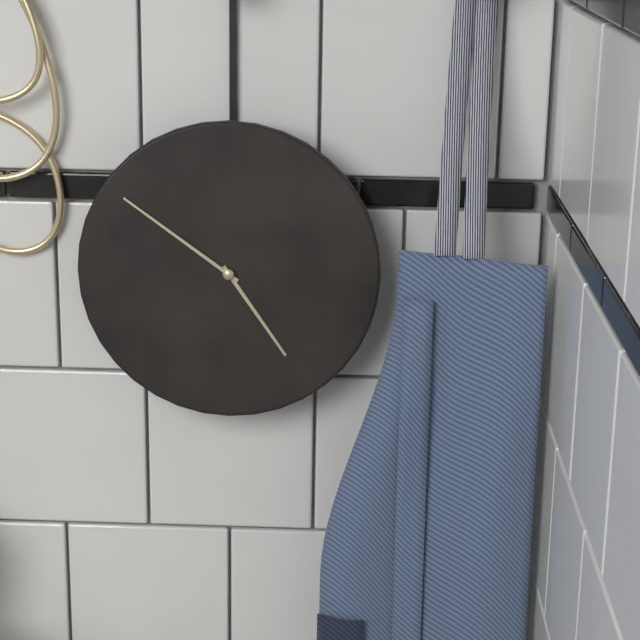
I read **4:51**
